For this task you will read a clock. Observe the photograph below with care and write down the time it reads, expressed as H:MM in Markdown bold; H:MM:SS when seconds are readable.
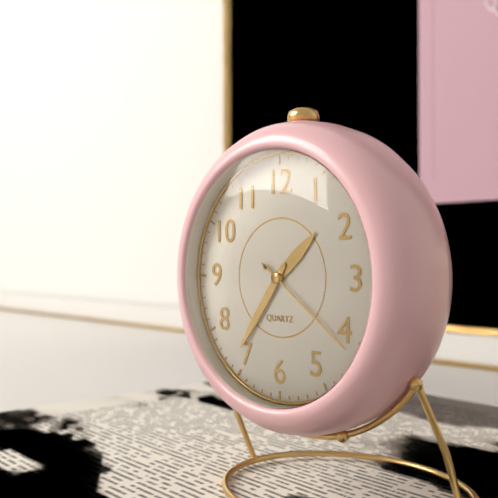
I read **1:36:21**
